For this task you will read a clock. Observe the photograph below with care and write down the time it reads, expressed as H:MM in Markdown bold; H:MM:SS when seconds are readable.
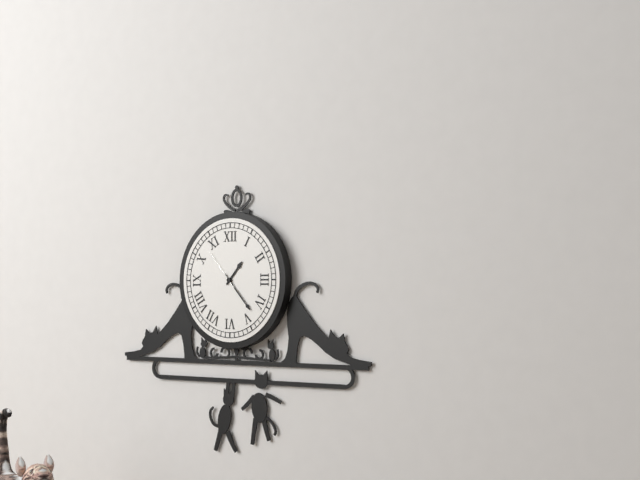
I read **1:23**
